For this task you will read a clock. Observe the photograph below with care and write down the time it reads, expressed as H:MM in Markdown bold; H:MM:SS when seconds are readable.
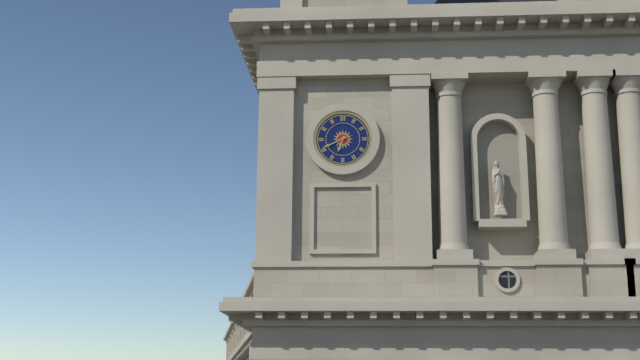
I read **6:41**
